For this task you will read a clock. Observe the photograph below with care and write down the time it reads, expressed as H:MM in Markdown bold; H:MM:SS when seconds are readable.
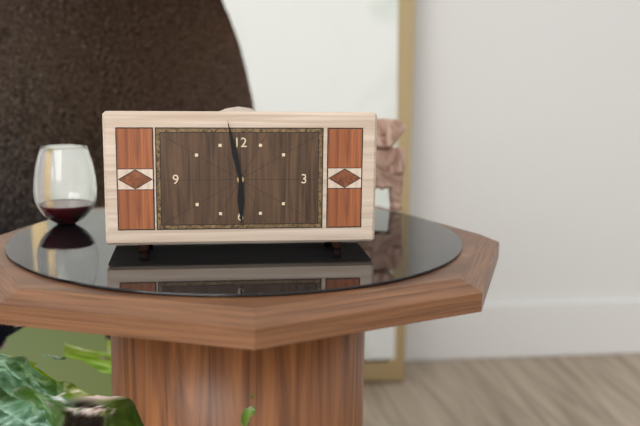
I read **5:58**
